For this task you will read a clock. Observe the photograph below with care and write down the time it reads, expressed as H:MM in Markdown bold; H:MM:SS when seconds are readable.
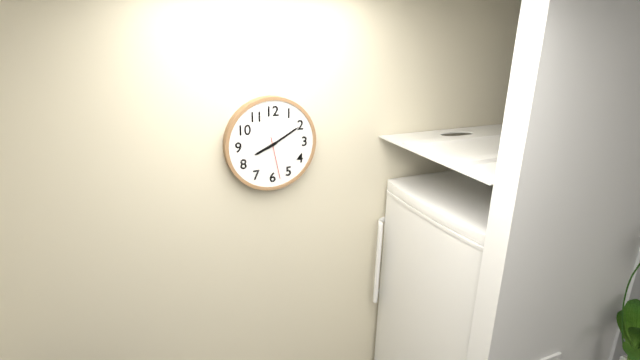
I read **8:10**
